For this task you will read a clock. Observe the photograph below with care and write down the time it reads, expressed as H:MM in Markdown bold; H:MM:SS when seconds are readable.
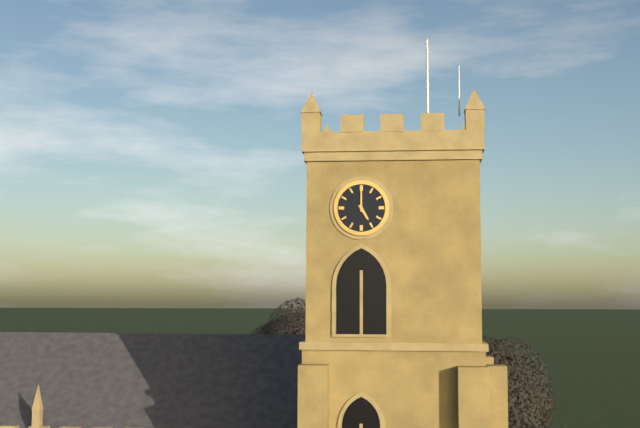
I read **5:00**
